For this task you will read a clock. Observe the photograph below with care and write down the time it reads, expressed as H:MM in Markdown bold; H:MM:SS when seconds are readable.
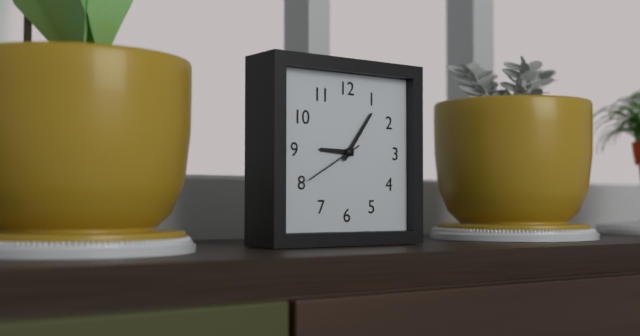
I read **9:06:40**
